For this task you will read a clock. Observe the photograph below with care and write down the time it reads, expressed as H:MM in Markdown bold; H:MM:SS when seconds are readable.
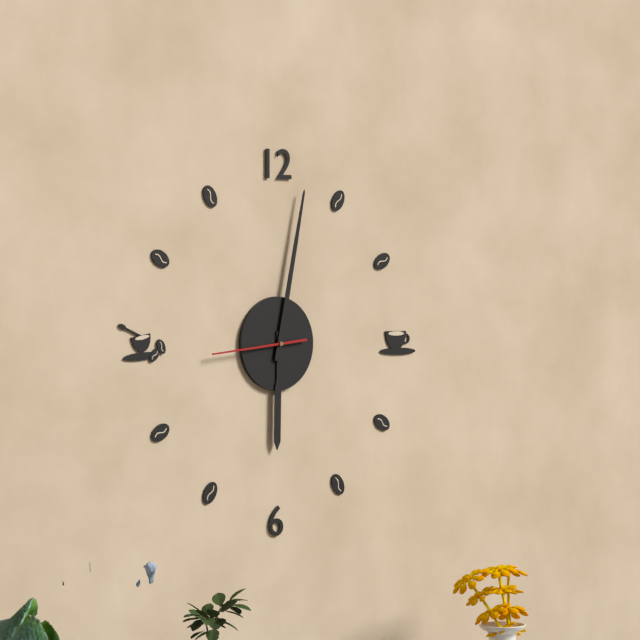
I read **6:02:44**
